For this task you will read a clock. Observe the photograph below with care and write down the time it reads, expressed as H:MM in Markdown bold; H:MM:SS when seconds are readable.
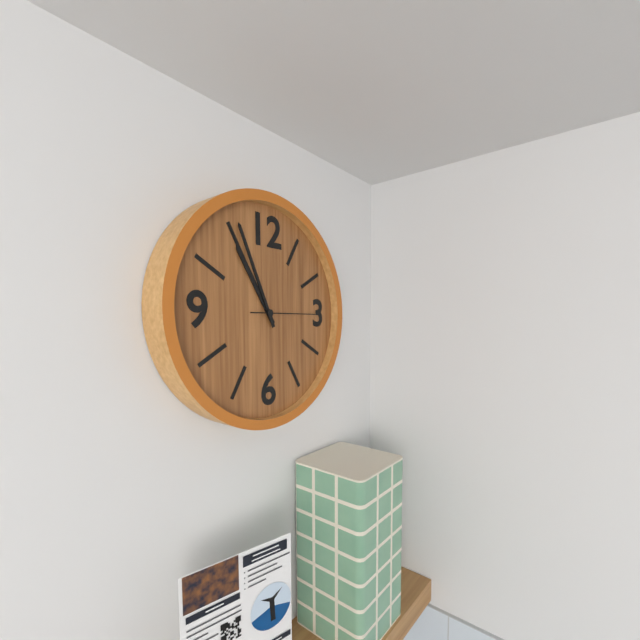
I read **10:56:15**
